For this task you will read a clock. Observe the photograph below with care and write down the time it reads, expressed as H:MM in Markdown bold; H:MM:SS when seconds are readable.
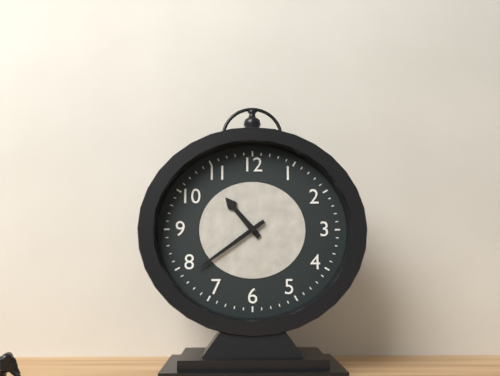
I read **10:39**
